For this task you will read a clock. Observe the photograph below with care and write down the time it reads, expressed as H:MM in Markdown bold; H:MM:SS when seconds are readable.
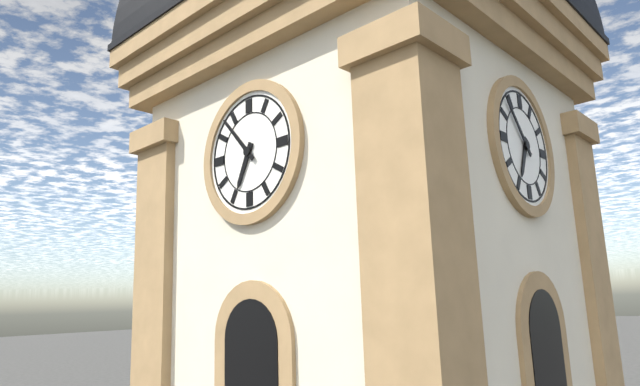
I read **6:53**
